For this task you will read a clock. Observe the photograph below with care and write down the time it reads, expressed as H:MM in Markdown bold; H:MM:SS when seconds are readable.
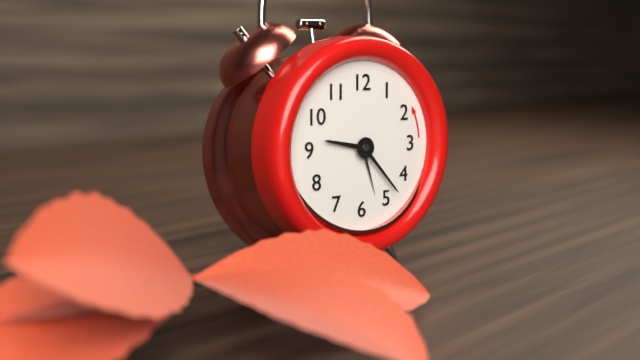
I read **9:23:27**
